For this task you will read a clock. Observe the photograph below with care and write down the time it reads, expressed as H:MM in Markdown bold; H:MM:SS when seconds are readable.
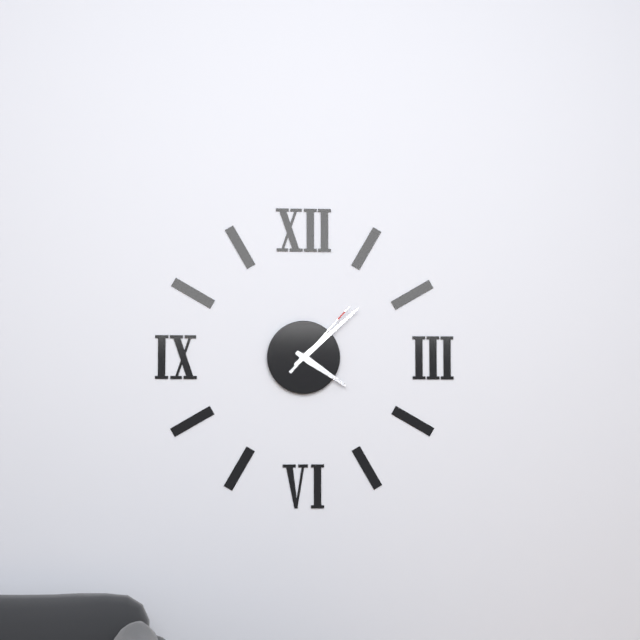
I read **4:08:07**
